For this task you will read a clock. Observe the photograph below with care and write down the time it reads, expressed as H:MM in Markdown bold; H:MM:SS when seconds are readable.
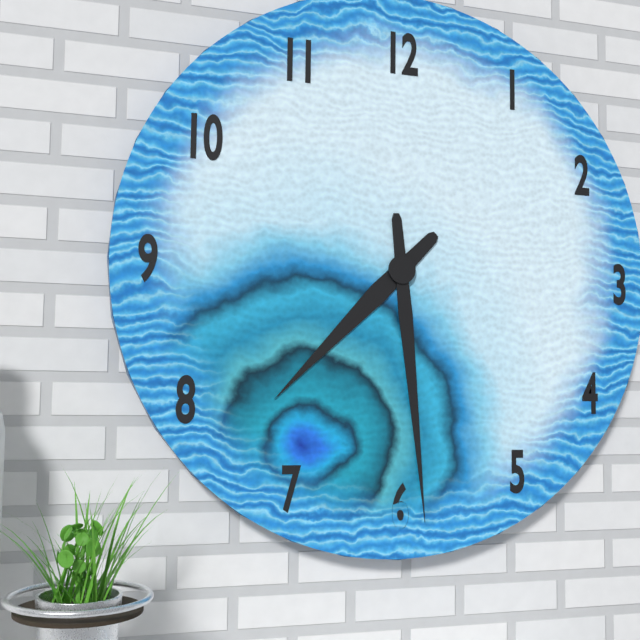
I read **7:29**
